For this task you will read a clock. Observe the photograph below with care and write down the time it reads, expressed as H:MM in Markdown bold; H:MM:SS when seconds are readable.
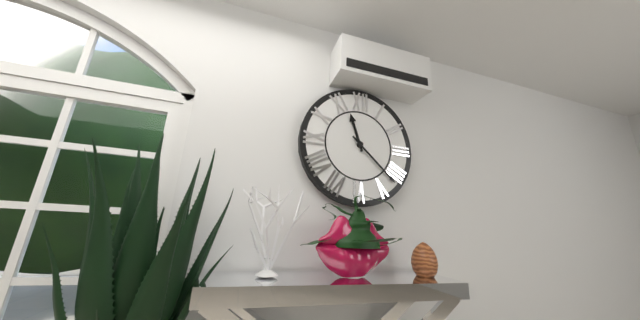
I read **11:22**
